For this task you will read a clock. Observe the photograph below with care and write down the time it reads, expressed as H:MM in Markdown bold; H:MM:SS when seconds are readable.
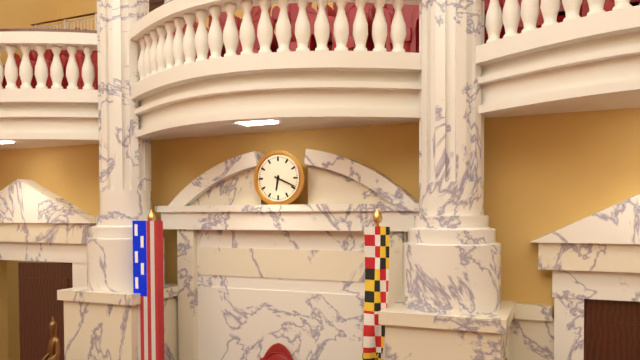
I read **6:19**
